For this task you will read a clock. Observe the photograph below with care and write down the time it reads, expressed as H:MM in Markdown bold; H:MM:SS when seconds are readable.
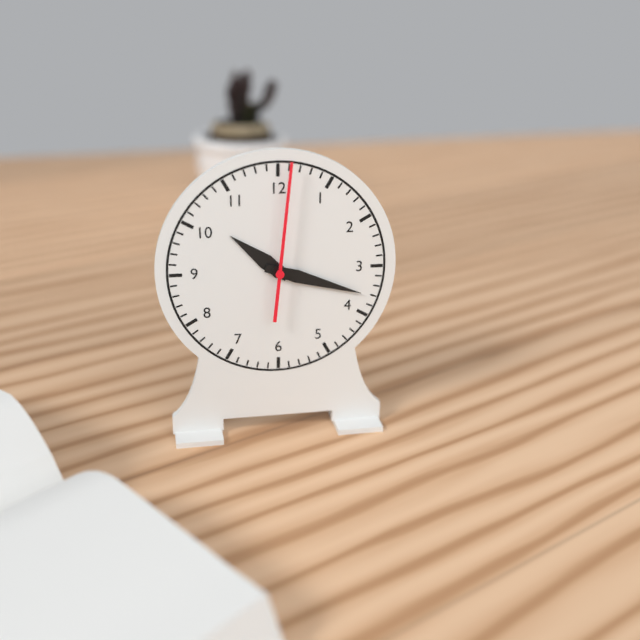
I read **10:18:01**
